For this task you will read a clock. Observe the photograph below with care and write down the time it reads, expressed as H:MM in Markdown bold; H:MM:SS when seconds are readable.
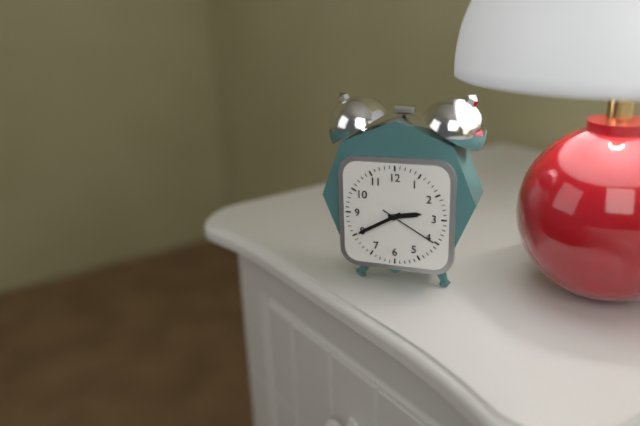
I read **2:40:20**
